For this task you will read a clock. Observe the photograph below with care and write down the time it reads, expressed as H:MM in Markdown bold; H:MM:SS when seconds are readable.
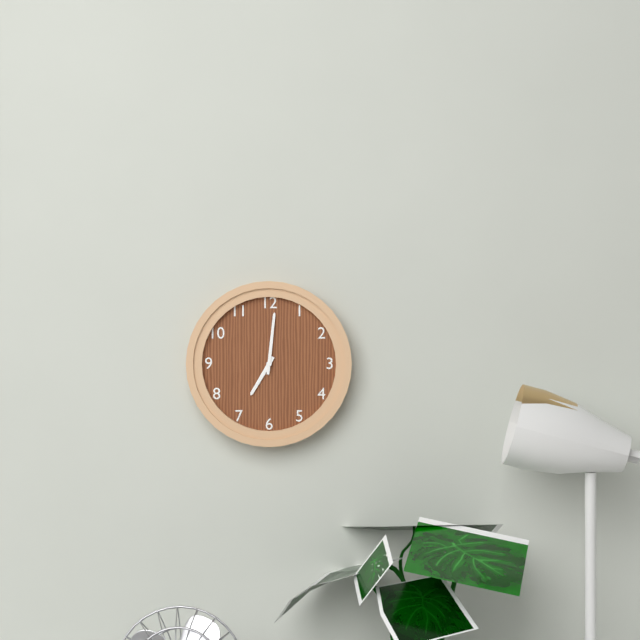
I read **7:01**
